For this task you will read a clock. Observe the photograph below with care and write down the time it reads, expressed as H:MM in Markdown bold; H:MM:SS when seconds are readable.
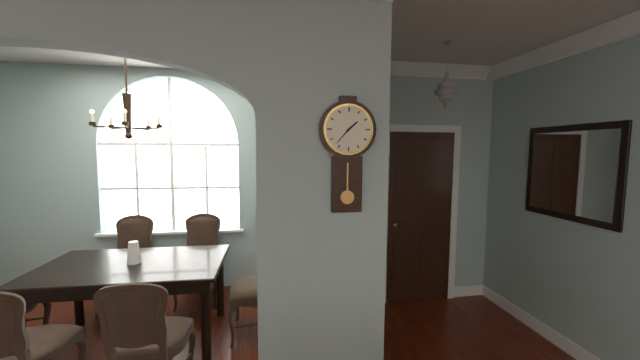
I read **1:37**
